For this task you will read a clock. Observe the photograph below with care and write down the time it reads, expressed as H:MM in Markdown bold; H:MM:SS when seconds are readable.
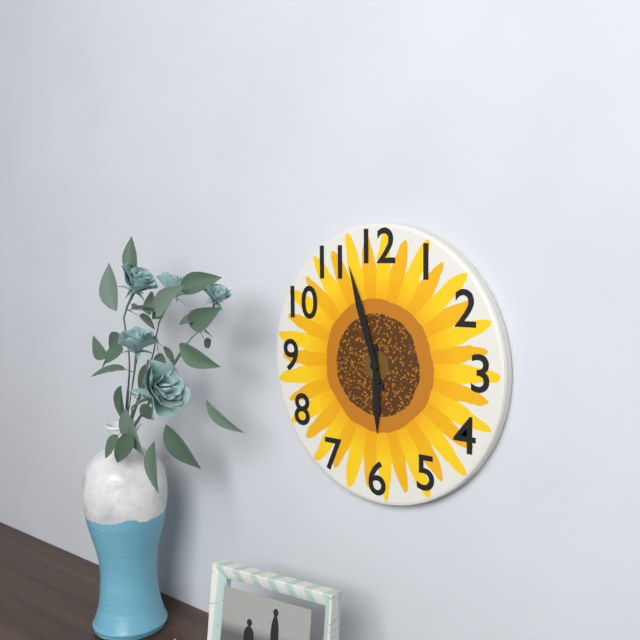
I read **5:57**
